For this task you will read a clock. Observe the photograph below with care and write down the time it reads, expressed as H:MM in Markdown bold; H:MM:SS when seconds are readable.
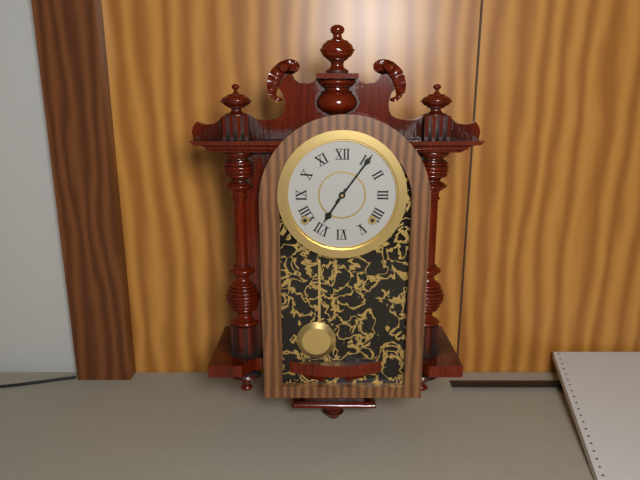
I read **7:06**
